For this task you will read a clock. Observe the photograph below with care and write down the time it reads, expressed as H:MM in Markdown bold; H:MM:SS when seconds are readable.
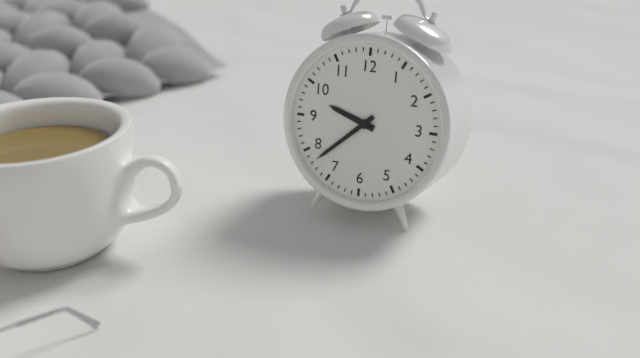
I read **9:38**
